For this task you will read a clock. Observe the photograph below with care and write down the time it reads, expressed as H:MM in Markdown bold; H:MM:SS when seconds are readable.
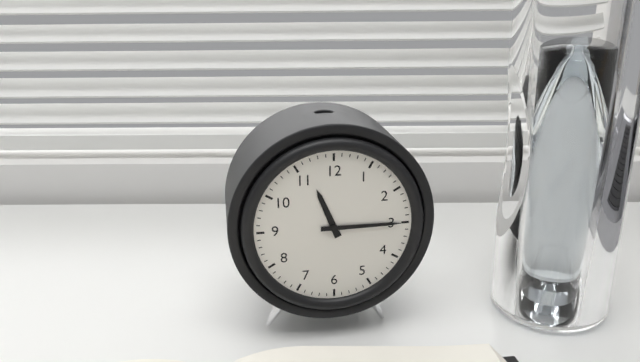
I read **11:15**
